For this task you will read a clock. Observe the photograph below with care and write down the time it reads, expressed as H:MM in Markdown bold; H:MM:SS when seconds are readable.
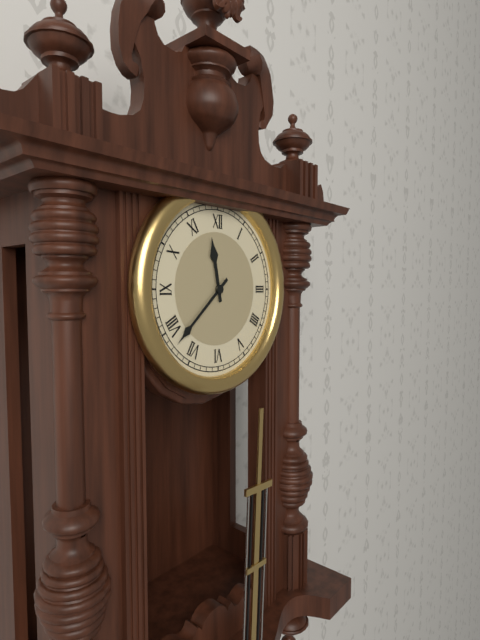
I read **11:38**
